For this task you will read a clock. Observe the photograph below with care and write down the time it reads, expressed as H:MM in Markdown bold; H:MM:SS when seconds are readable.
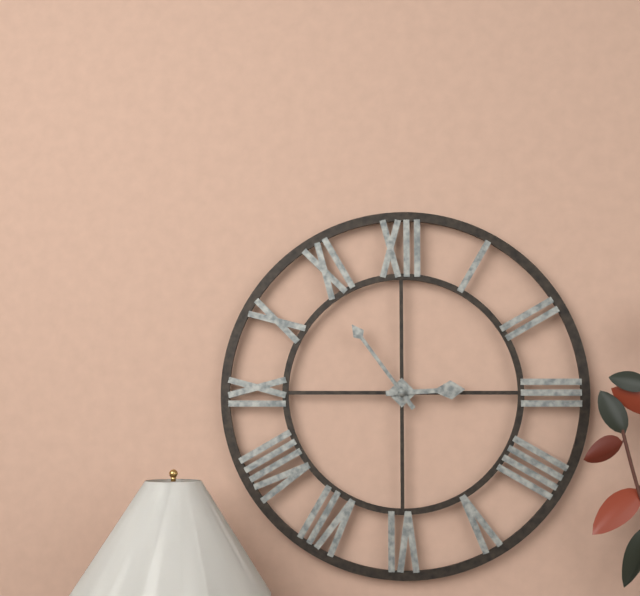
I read **2:54**
